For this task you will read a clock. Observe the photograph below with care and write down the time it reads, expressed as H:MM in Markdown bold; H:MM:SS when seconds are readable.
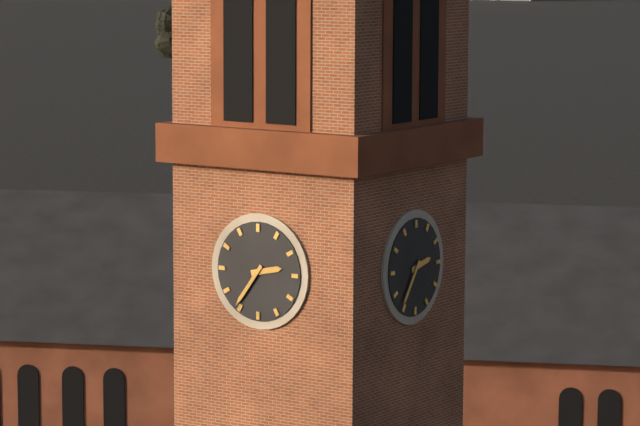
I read **2:36**
